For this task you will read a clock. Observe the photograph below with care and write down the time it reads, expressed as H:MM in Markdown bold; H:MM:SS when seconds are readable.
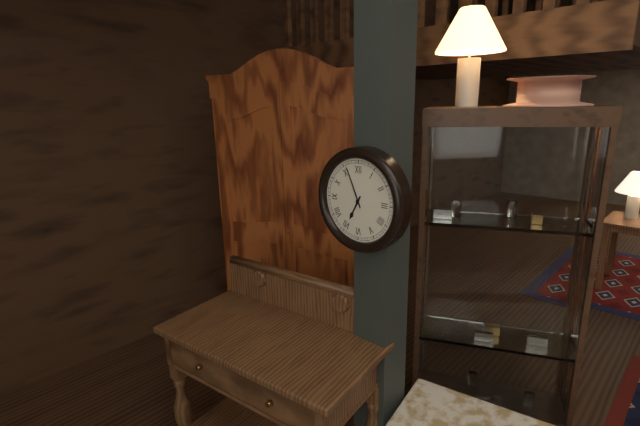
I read **6:56**
